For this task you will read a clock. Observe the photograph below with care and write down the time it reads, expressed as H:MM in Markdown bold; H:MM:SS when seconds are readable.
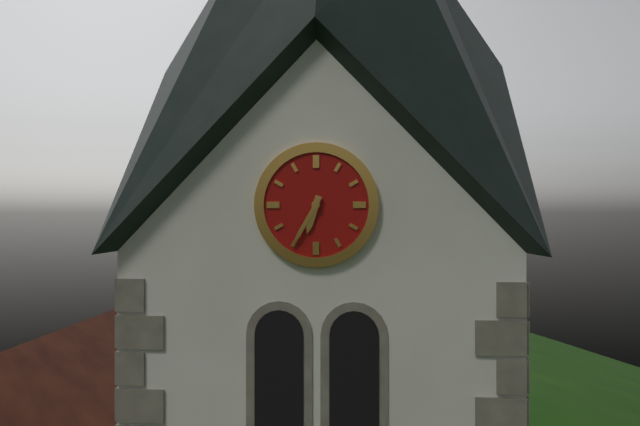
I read **6:35**
